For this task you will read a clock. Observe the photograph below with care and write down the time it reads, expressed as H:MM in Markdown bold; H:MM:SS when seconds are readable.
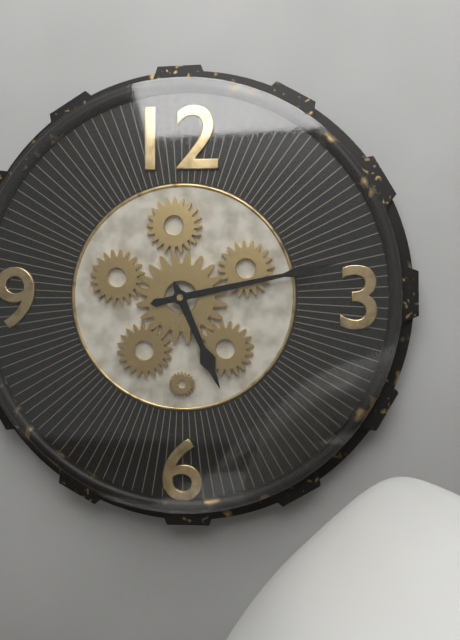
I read **5:13**
